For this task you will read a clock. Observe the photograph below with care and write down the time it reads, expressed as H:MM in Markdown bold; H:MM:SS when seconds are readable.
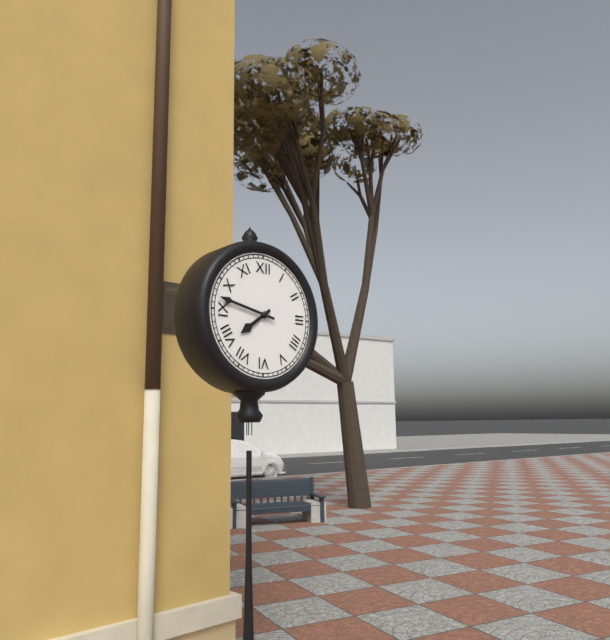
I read **7:47**
